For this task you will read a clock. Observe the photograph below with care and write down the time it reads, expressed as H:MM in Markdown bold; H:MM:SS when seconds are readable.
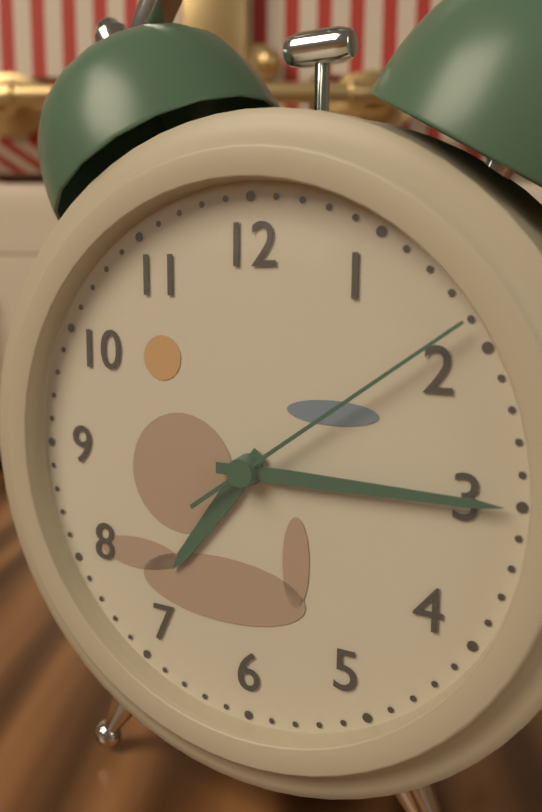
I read **7:15:09**
